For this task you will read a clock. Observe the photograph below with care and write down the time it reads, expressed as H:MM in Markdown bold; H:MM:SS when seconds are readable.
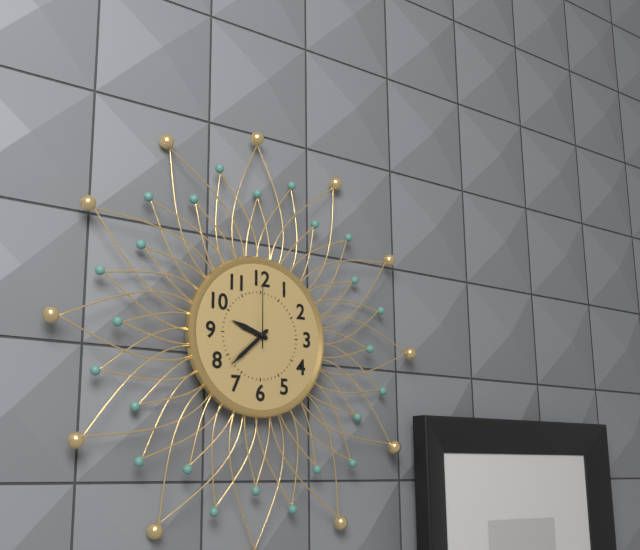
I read **9:38:00**
